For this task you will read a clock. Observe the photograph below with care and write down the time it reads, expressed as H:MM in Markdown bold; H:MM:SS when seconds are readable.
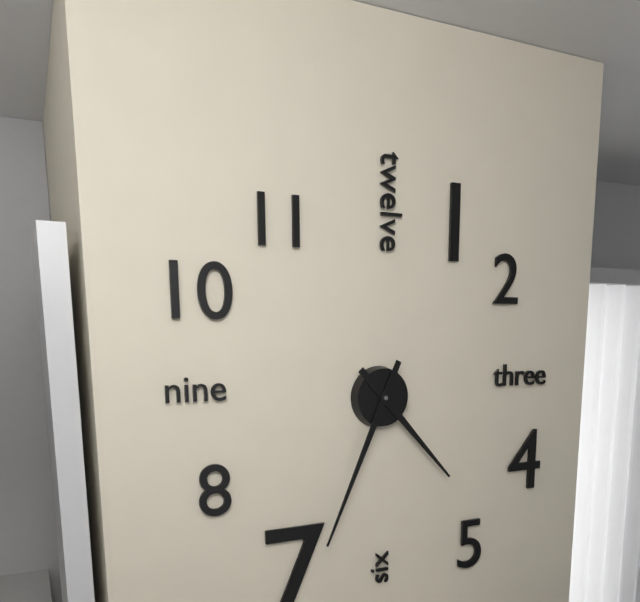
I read **4:34**
